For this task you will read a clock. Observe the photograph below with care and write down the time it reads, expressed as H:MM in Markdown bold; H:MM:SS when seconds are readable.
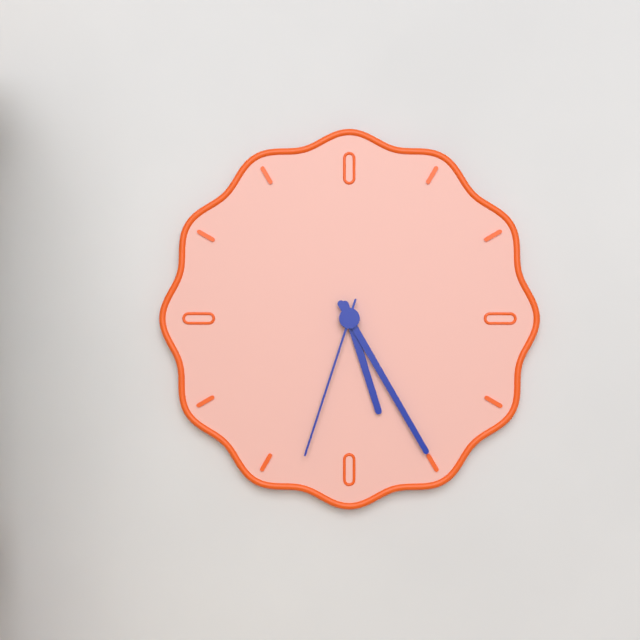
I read **5:25:33**
